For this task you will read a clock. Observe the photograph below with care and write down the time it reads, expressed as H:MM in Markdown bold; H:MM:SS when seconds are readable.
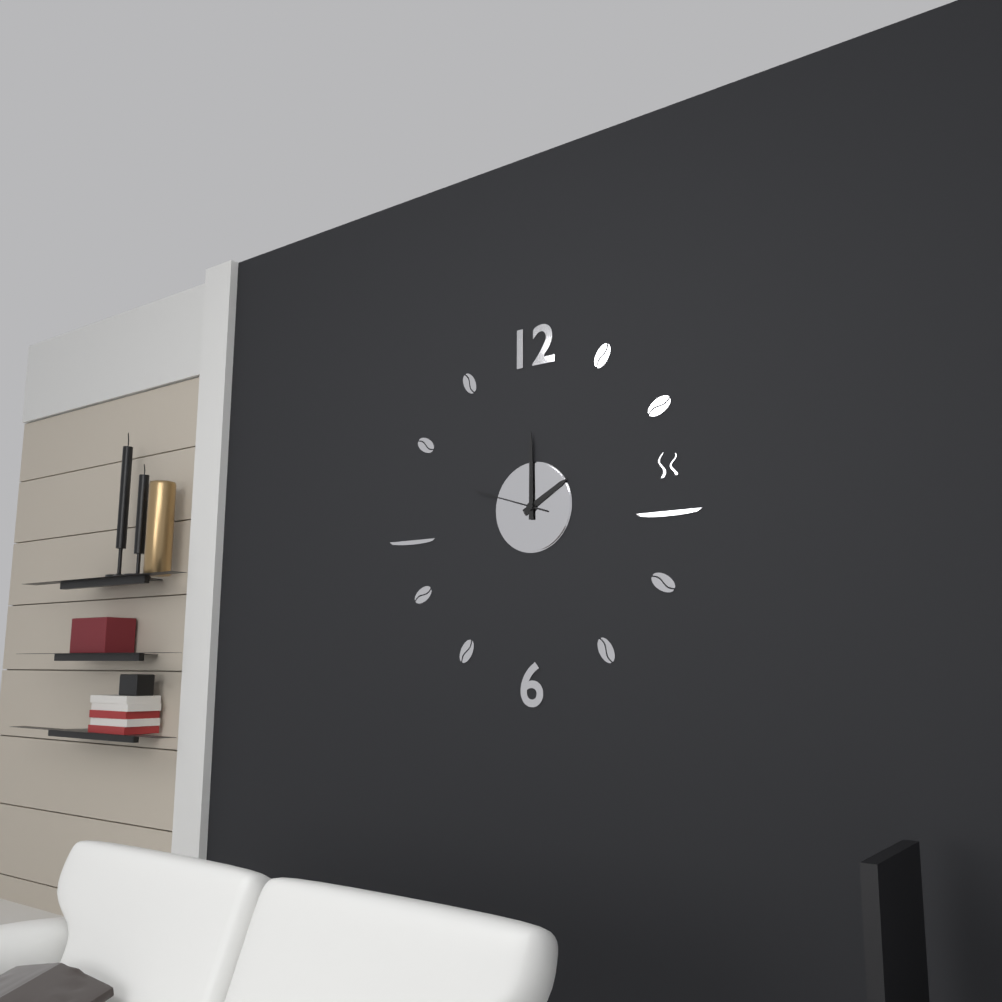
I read **2:00:48**
